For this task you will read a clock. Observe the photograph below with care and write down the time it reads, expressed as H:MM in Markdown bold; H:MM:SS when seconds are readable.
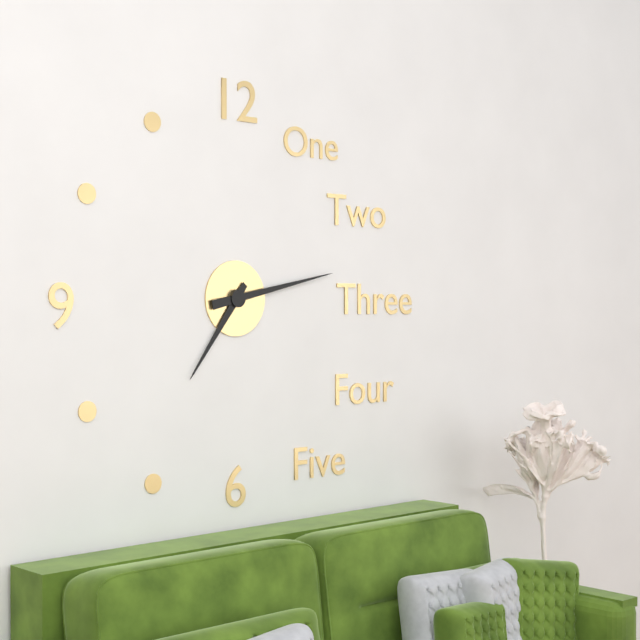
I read **7:13**
